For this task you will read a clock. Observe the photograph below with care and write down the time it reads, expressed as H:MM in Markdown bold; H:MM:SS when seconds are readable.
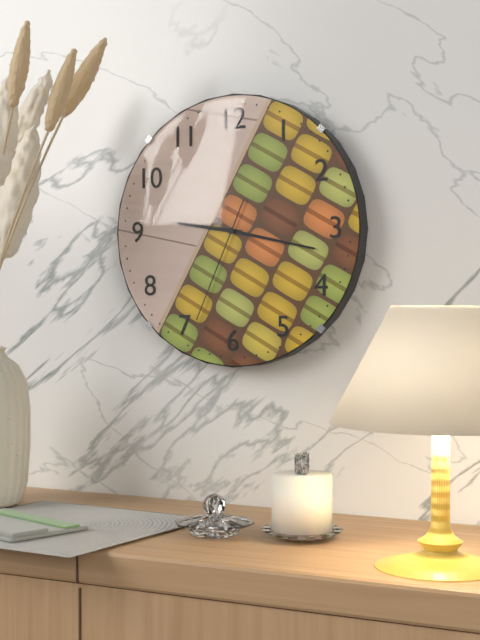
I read **9:17:34**
